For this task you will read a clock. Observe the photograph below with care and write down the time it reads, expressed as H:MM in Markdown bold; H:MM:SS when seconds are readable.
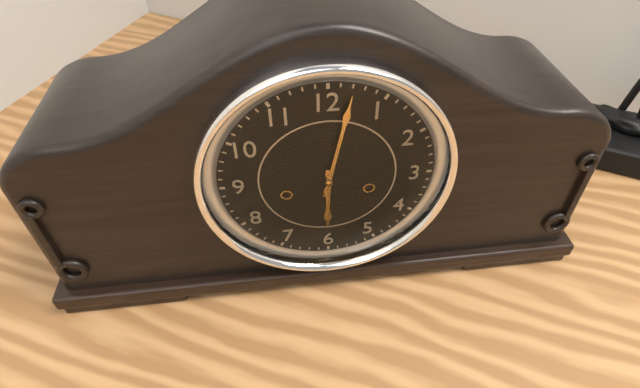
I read **6:02**
